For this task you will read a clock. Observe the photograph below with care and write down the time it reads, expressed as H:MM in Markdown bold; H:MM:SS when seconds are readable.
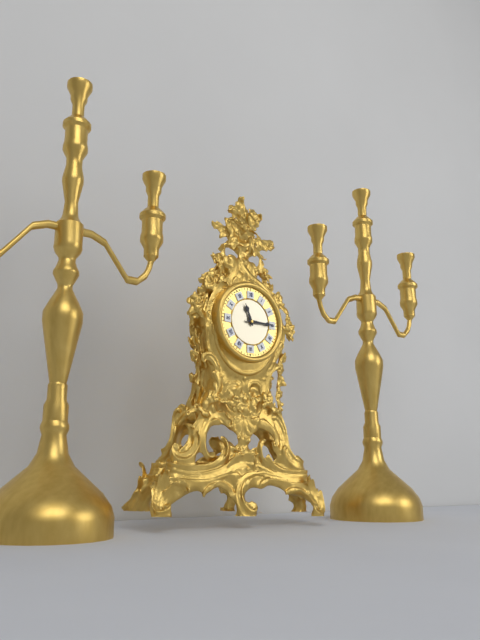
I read **11:15**
